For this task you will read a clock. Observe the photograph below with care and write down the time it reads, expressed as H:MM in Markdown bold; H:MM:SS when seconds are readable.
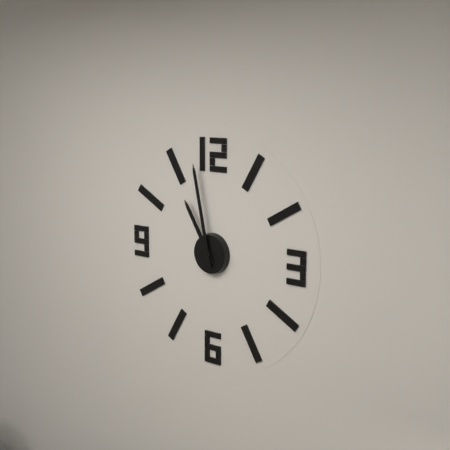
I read **10:58**
